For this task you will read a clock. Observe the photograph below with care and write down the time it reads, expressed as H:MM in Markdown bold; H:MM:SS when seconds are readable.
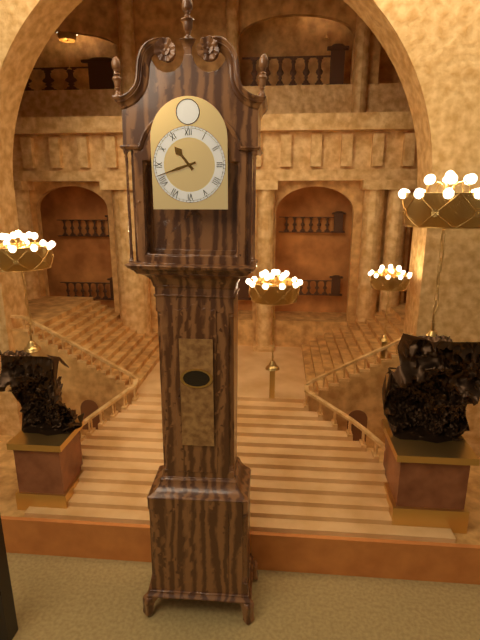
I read **10:42**
